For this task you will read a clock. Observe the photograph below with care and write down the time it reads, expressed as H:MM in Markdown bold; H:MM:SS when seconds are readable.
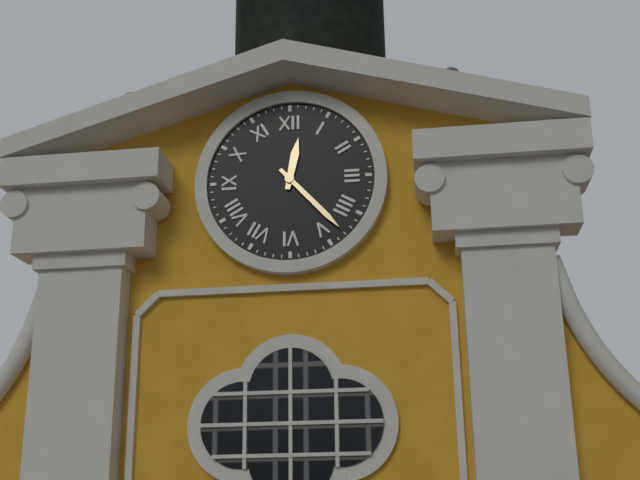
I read **12:23**
